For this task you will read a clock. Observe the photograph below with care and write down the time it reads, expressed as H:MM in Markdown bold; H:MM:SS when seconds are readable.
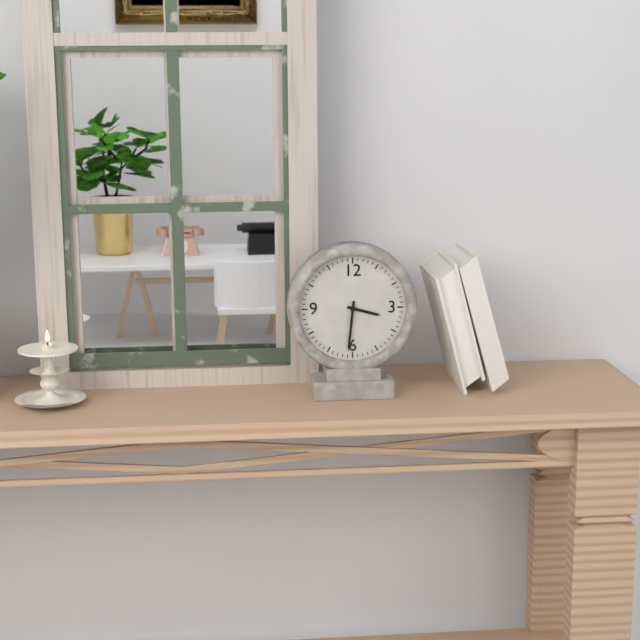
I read **3:31**
